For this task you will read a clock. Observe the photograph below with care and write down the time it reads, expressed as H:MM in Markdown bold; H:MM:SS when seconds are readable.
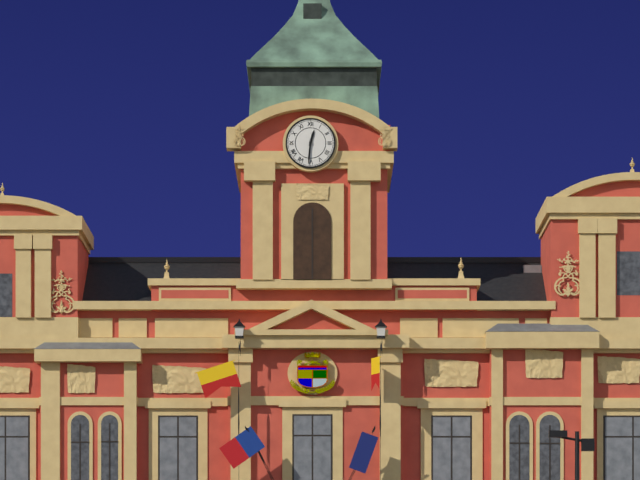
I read **12:31**
